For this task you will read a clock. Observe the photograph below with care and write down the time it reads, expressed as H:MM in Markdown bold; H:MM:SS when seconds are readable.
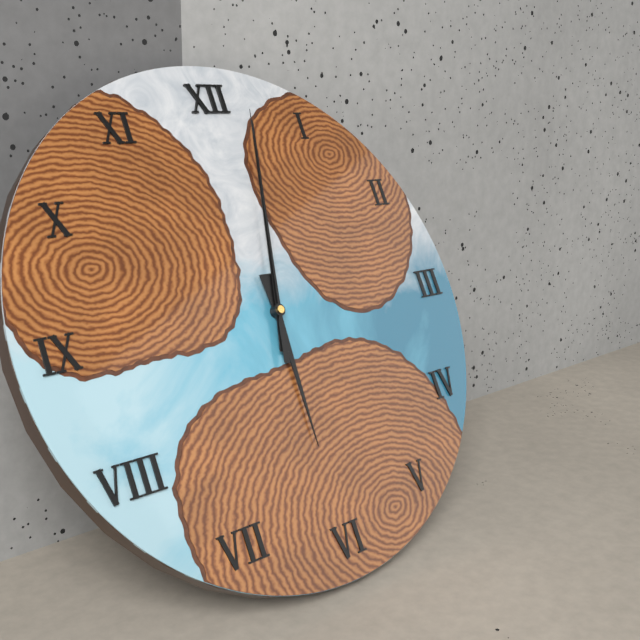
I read **6:02:02**
